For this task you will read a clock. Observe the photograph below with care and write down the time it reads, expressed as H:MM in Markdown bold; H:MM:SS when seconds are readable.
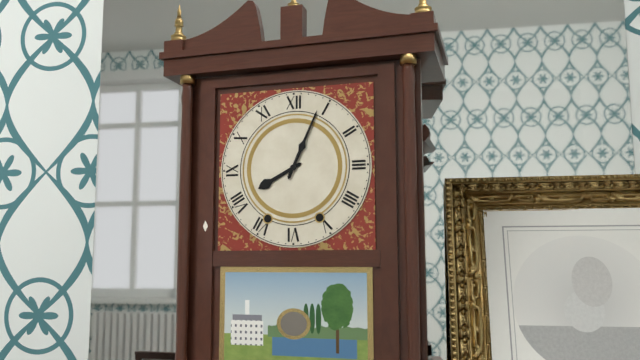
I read **8:04**
